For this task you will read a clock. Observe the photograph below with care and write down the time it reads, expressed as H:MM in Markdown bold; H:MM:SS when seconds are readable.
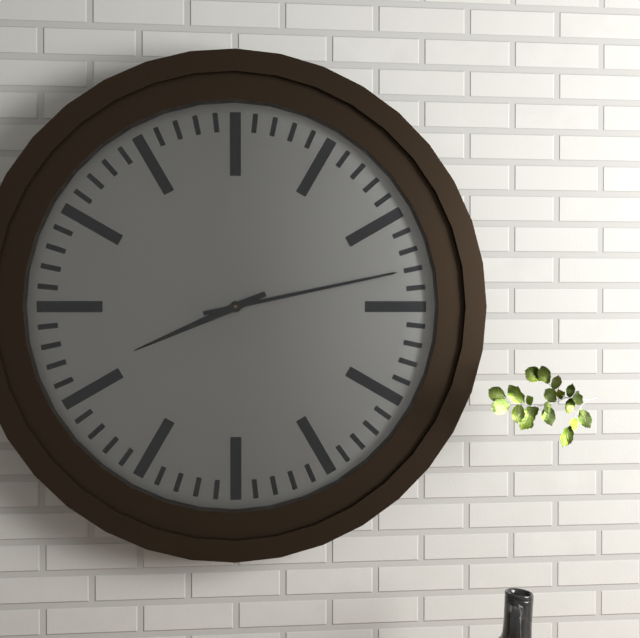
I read **8:13**
